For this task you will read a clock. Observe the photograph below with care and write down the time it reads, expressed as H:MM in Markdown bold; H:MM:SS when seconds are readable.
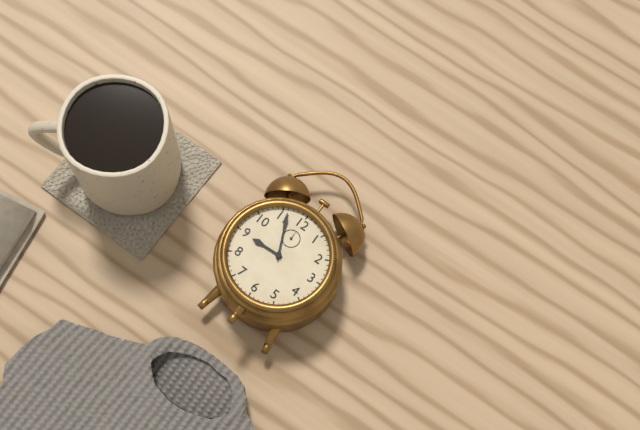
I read **8:56**
